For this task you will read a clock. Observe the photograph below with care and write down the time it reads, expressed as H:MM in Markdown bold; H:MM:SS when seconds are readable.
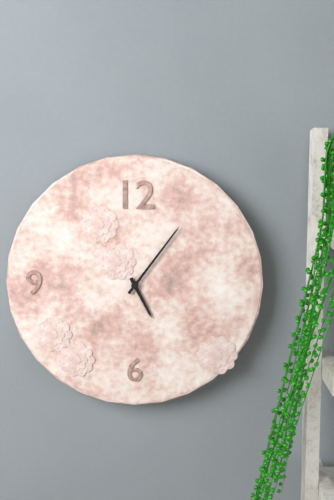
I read **5:06**
